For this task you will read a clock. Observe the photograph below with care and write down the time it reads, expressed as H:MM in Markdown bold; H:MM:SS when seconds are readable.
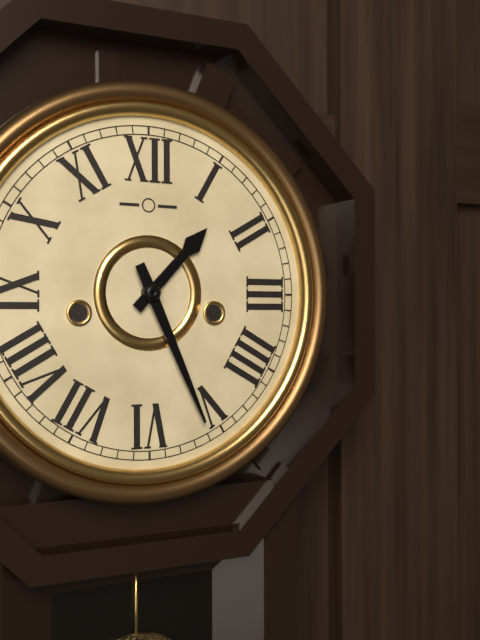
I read **1:26**
